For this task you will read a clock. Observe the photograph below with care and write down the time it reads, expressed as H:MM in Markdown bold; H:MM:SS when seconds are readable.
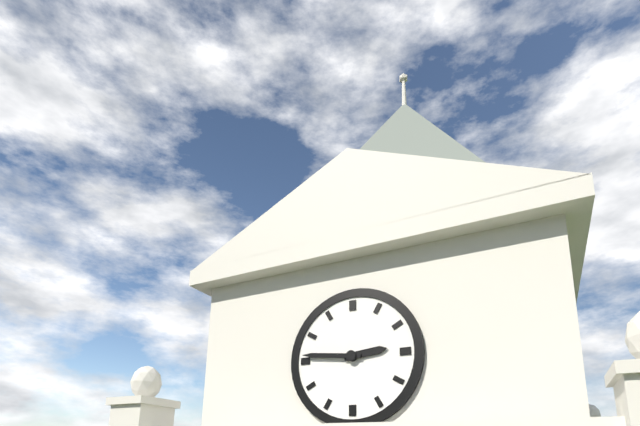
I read **2:46**
